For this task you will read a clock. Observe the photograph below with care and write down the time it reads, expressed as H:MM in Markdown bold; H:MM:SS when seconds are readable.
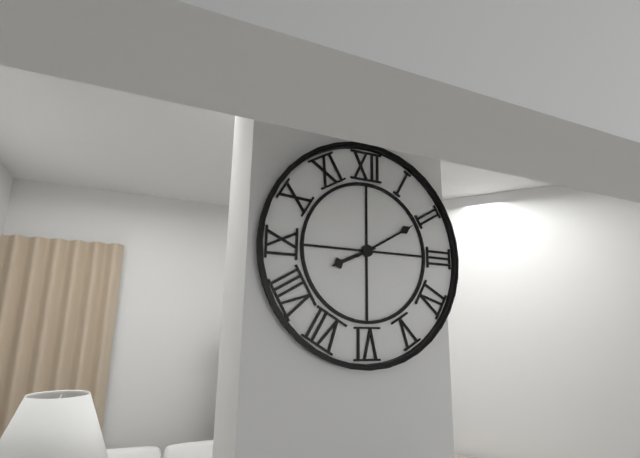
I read **8:10**
